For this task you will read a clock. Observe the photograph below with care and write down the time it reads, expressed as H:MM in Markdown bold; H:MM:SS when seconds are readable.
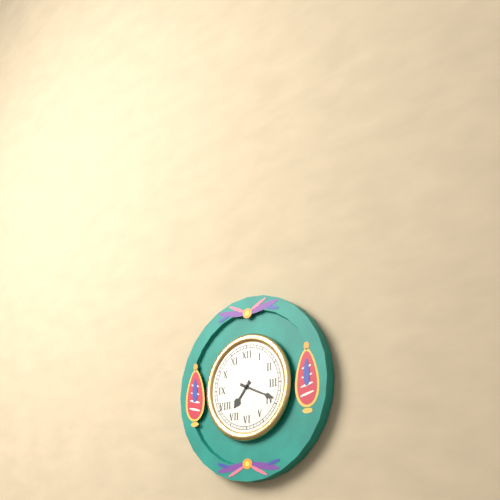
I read **7:19**
